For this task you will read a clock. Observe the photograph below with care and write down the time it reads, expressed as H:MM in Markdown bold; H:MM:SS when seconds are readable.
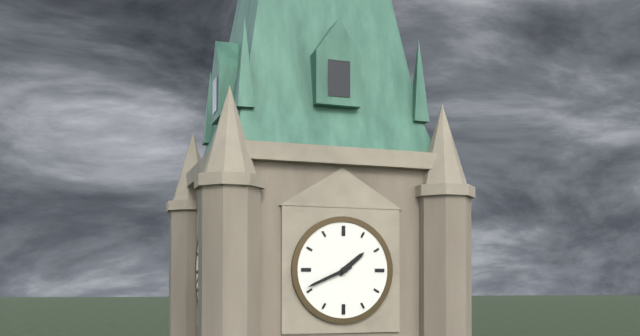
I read **1:41**
